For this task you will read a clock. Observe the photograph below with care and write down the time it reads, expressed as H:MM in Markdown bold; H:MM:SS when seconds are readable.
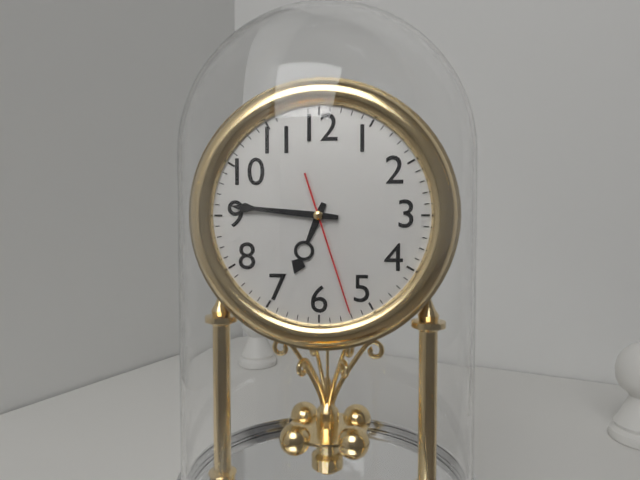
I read **6:46:27**
